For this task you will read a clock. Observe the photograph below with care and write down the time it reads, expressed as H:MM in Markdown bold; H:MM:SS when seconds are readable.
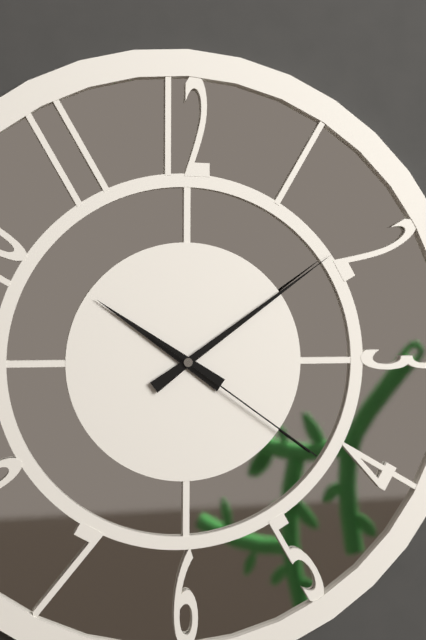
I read **10:09:21**
